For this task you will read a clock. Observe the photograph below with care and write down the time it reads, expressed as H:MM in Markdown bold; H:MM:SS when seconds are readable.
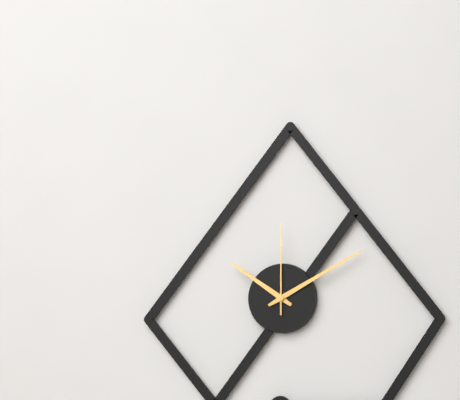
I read **10:10:00**
